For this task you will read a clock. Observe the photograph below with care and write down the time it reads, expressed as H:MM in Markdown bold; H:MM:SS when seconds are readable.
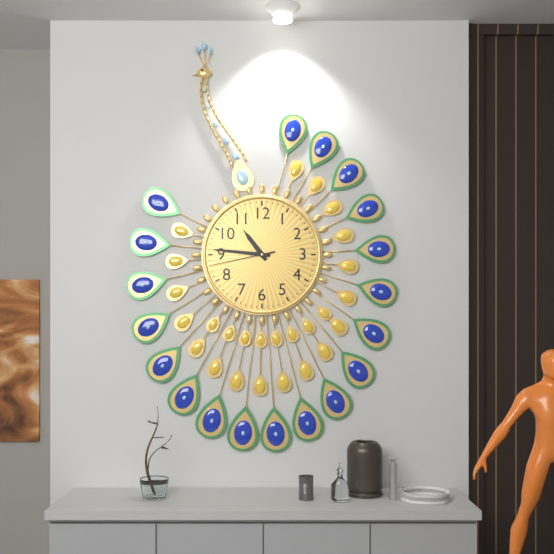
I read **10:46:43**
